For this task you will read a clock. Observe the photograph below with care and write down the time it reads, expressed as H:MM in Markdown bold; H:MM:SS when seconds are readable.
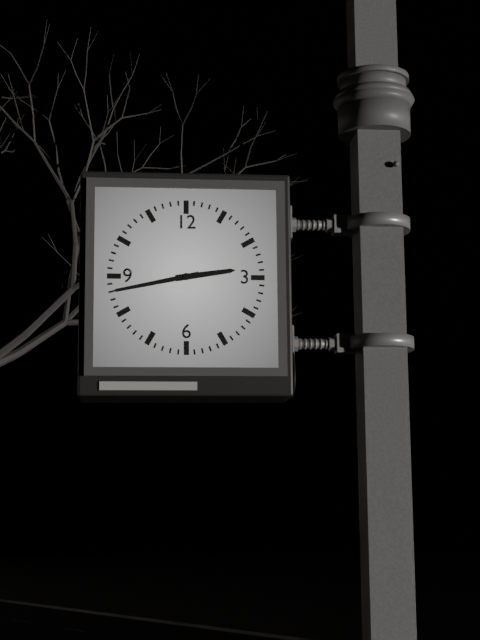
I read **2:43**
